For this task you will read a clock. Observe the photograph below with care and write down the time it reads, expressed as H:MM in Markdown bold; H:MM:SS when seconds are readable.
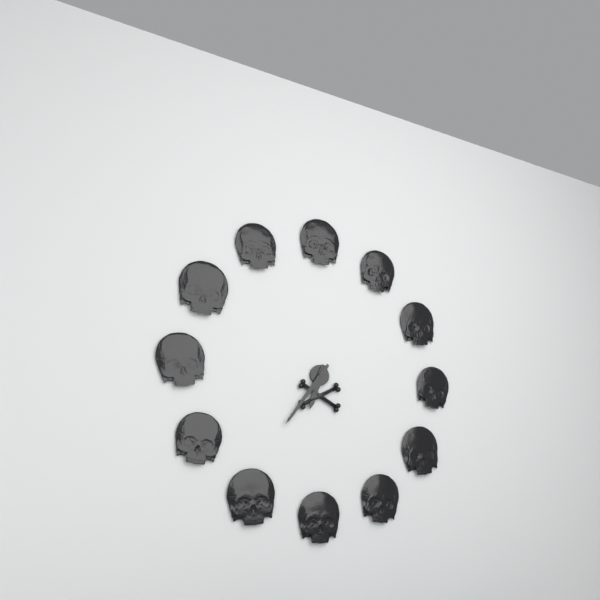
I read **6:36**
